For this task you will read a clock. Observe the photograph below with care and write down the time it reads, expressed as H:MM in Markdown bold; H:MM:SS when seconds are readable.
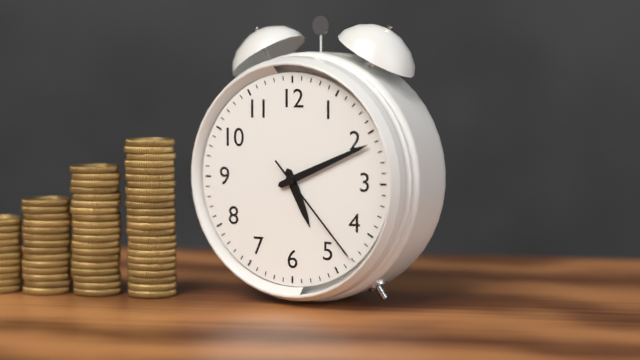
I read **5:11:23**
